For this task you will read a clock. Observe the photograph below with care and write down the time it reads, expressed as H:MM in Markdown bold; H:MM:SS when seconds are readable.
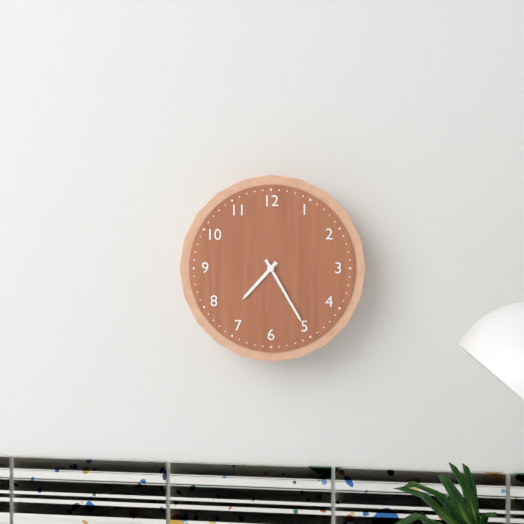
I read **7:25**
